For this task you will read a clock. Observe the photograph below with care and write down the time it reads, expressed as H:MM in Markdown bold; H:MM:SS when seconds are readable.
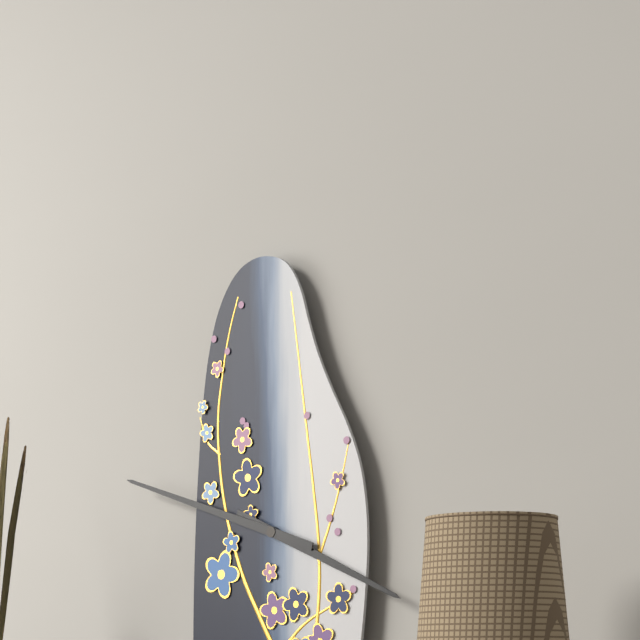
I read **3:48**
